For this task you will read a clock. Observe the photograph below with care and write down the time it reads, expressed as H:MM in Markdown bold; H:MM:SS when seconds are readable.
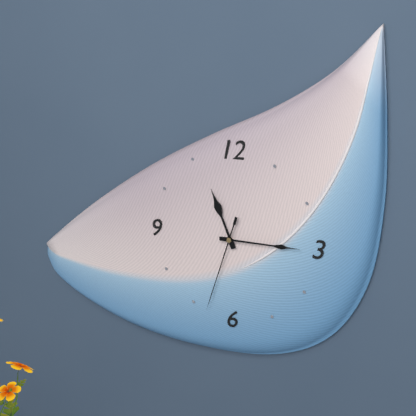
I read **11:15:33**
